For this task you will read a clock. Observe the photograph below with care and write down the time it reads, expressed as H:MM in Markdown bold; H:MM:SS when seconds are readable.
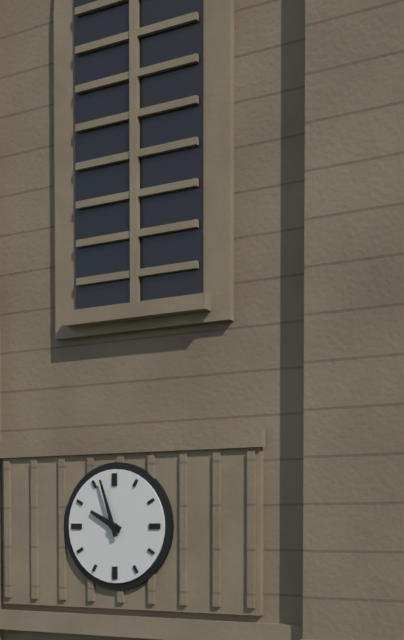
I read **9:57**
